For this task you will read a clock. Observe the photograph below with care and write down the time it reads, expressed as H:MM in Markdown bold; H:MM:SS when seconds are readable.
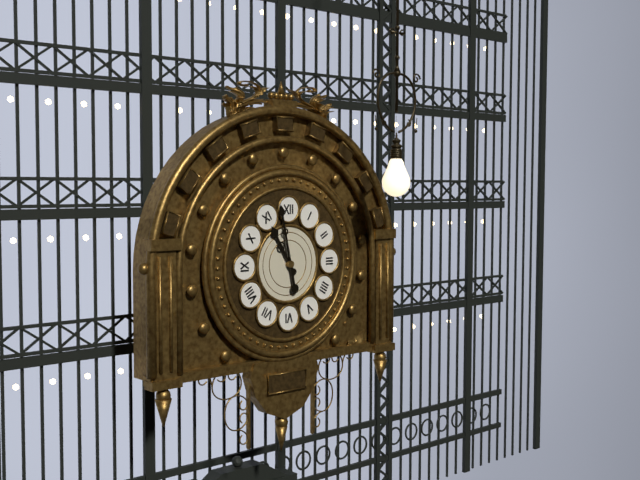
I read **10:58**
